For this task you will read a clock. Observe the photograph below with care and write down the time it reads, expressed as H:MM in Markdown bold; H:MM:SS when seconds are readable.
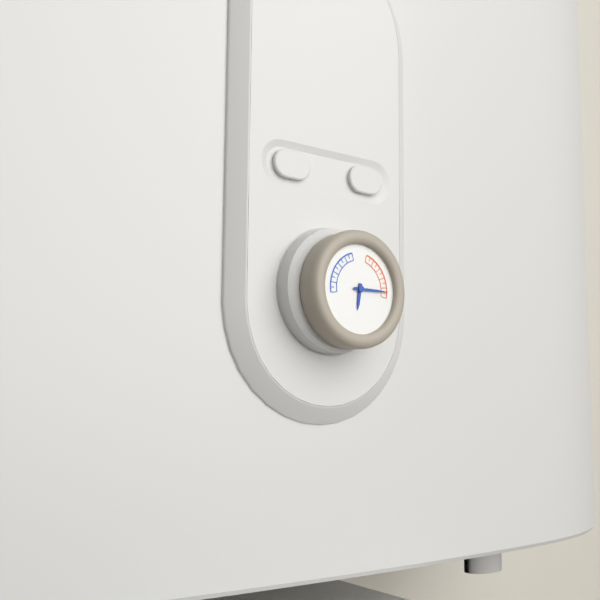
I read **6:15**
